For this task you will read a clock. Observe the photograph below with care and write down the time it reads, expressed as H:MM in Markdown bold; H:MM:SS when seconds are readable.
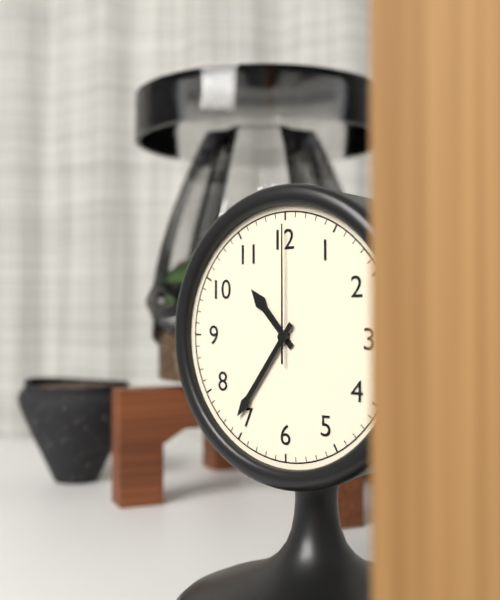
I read **10:36:00**
